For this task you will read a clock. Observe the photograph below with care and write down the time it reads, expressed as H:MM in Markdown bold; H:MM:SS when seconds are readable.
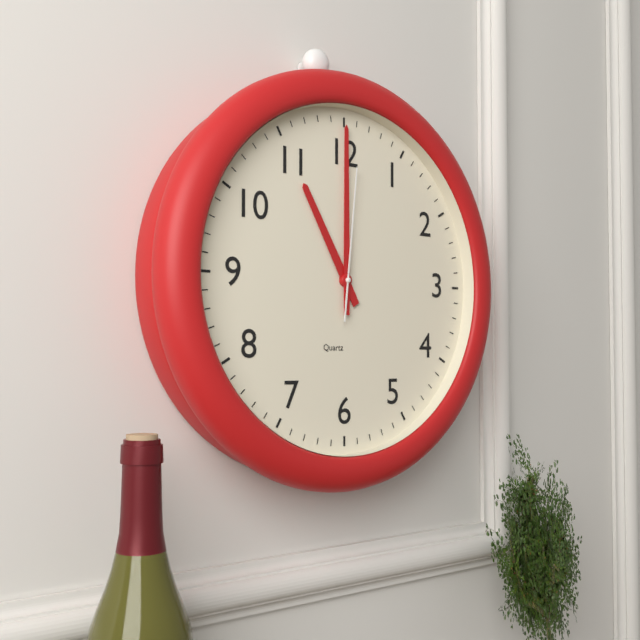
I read **11:00:01**
